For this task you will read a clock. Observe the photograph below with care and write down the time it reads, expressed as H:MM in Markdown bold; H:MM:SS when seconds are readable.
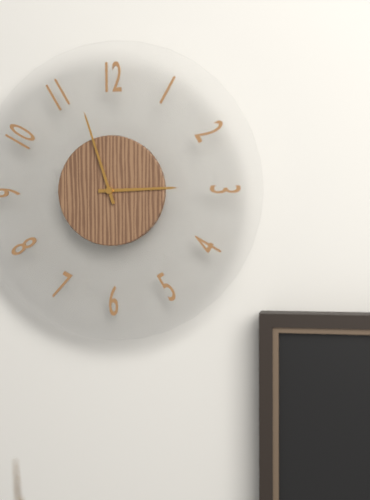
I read **2:57**
